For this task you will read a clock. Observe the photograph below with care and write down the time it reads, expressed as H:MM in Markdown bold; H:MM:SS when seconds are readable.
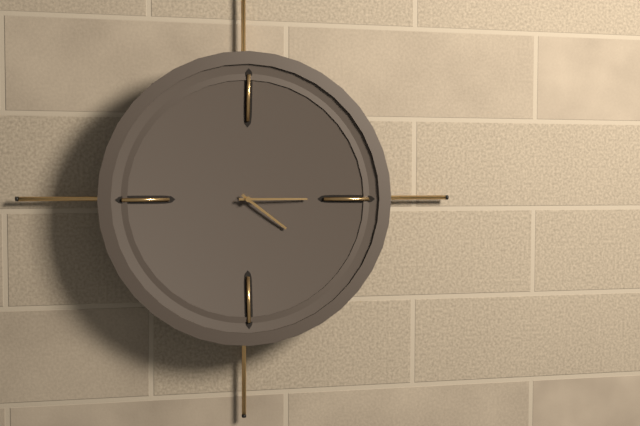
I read **4:15**
